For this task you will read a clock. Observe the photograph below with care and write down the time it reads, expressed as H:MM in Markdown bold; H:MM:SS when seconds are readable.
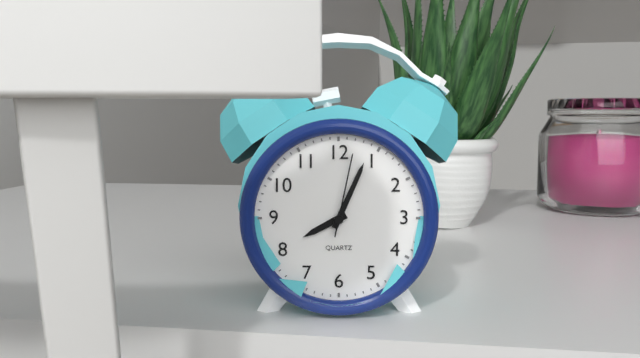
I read **8:04:02**
